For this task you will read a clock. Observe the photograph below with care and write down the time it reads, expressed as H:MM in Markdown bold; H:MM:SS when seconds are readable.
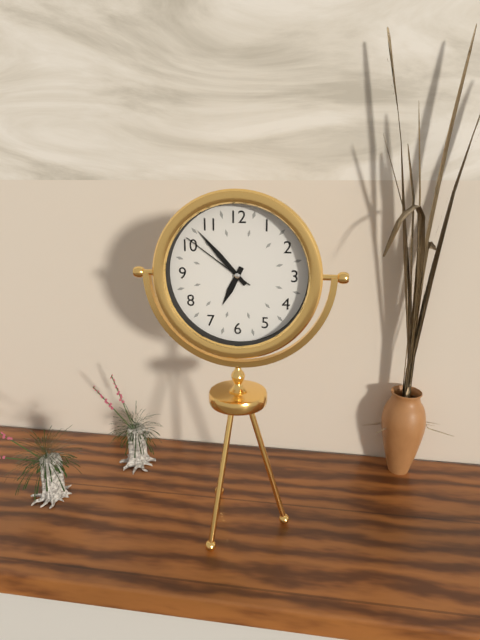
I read **6:53:51**
